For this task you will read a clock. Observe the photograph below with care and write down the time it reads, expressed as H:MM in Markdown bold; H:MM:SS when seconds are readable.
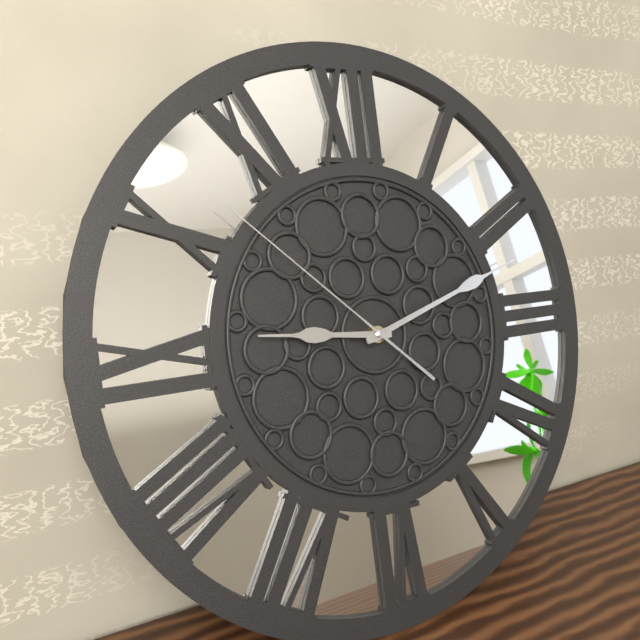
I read **9:12:52**
